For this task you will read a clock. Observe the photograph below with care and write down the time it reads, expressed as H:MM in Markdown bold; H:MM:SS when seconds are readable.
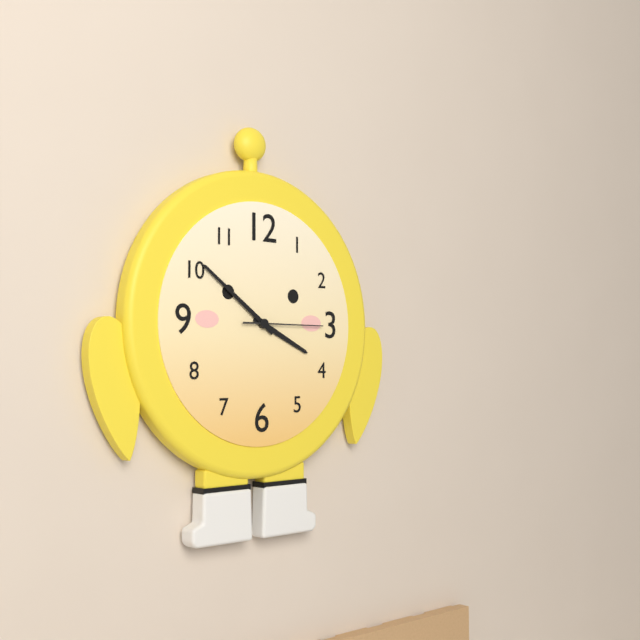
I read **3:51:15**
